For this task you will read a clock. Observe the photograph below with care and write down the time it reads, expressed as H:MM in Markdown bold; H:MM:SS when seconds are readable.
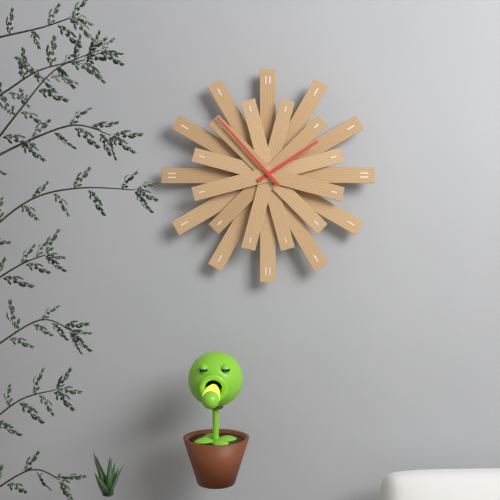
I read **1:53**
